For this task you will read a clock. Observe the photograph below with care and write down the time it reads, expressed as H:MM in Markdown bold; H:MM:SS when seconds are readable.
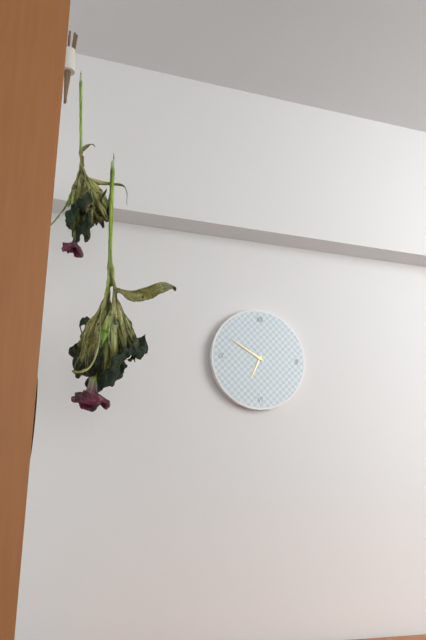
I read **6:50**
